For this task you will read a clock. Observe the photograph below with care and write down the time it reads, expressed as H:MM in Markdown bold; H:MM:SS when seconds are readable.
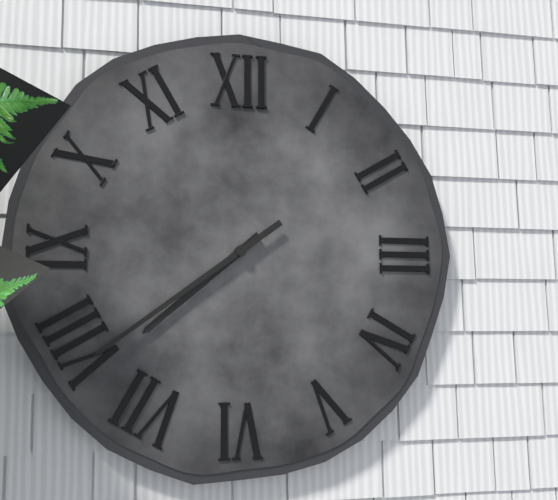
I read **7:39**
